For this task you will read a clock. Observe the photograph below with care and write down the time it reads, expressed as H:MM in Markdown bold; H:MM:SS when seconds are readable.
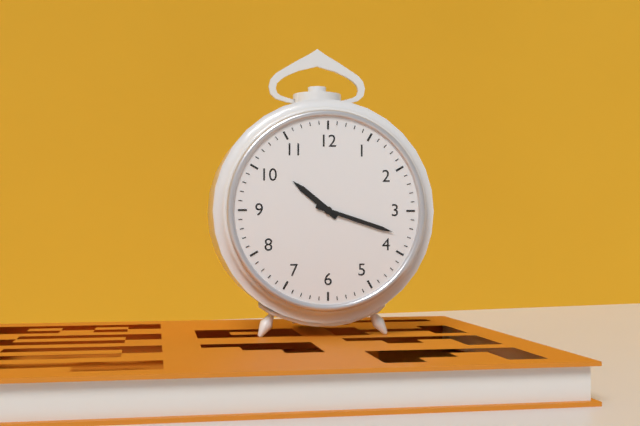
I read **10:18**
